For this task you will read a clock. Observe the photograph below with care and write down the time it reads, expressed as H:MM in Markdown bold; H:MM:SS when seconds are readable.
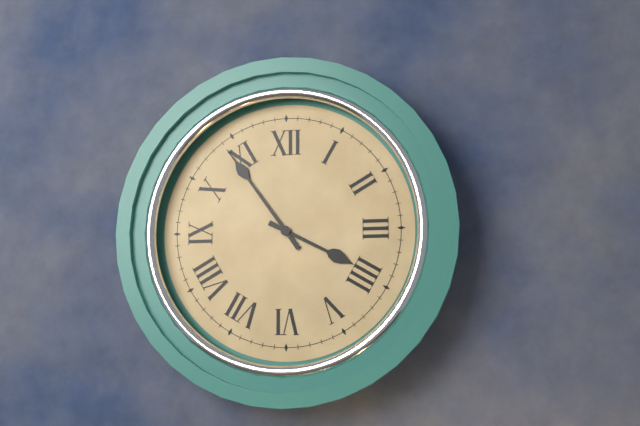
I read **3:54**
